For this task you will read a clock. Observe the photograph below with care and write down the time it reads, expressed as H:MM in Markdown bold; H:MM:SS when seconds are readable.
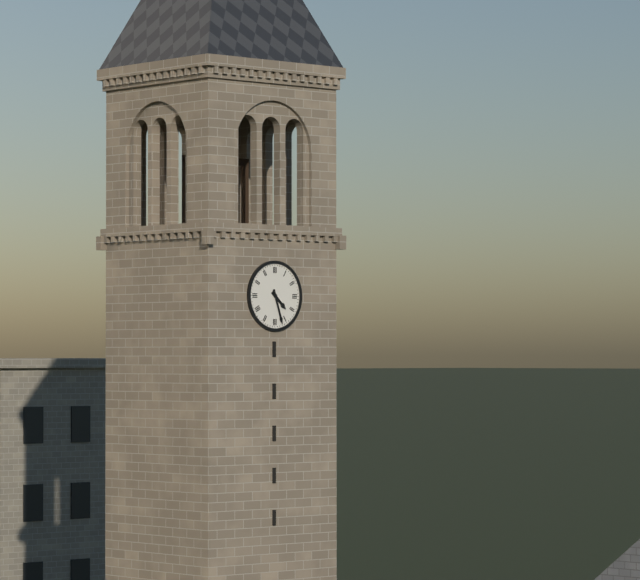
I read **4:27**
